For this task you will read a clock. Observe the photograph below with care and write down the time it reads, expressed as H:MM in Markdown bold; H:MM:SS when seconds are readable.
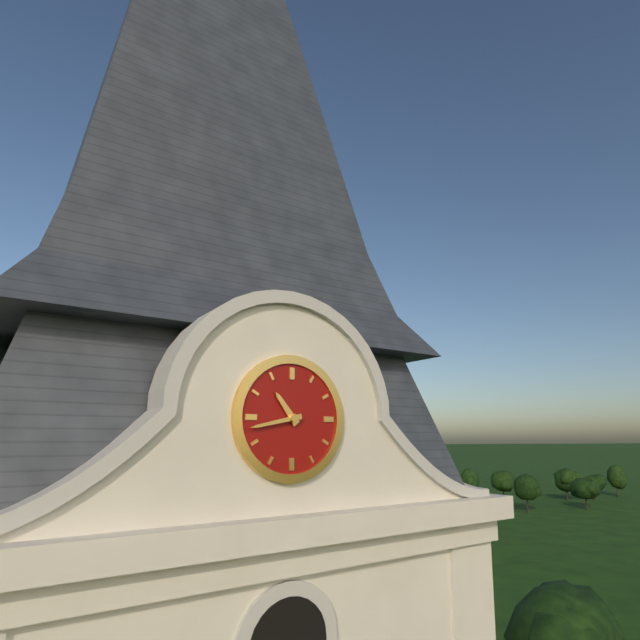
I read **10:43**
